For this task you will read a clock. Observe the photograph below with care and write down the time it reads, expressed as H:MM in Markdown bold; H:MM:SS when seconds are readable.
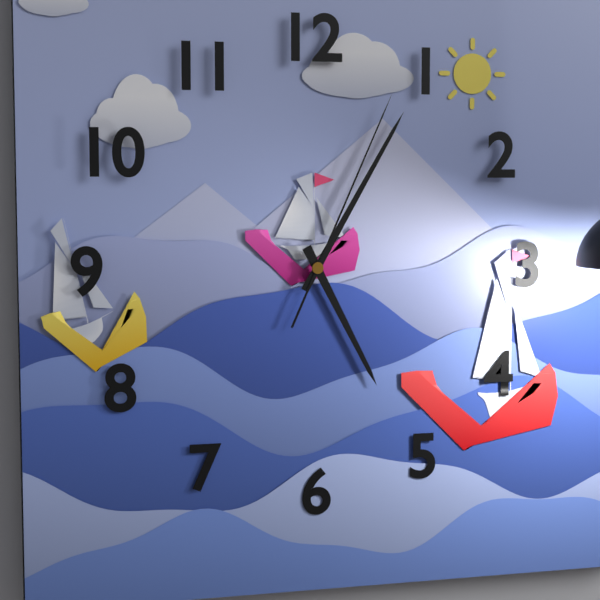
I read **5:05:04**
